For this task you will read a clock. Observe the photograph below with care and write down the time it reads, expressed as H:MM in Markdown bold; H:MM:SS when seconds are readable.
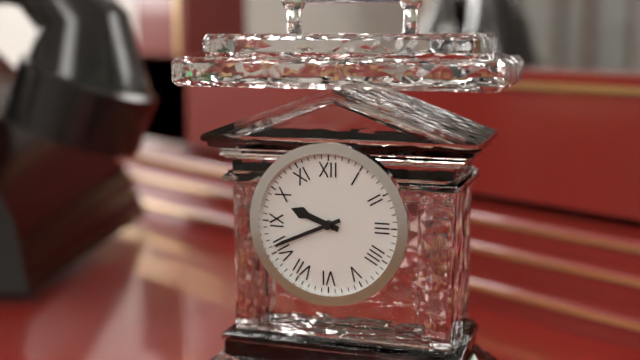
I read **9:41**
